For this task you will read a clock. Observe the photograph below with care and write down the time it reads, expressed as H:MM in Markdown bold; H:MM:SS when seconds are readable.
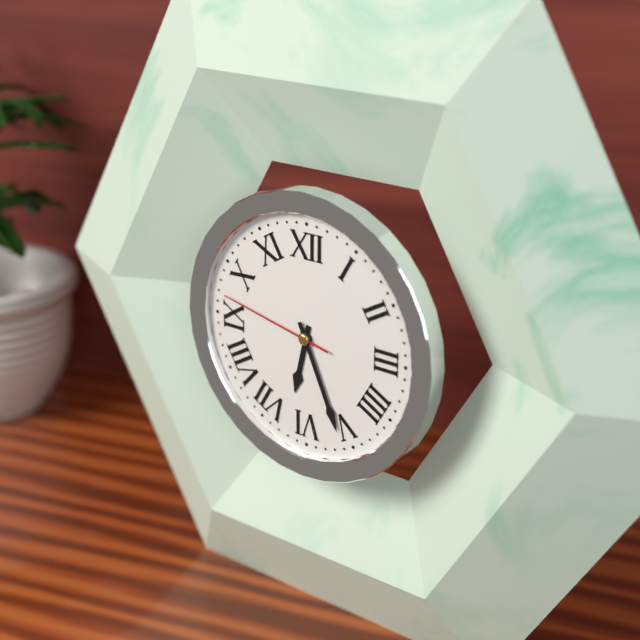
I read **6:26:47**
